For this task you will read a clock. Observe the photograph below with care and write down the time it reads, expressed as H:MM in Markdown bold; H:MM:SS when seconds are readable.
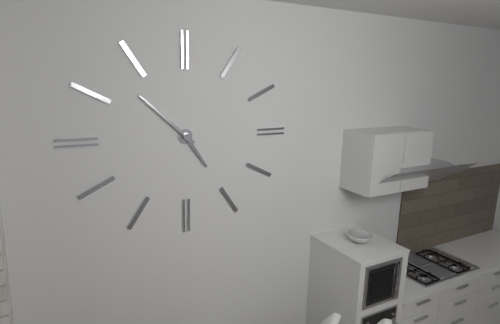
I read **4:52**
